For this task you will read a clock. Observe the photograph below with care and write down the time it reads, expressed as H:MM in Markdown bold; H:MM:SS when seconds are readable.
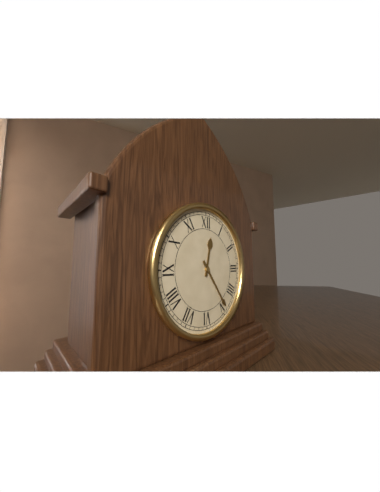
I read **12:24**
